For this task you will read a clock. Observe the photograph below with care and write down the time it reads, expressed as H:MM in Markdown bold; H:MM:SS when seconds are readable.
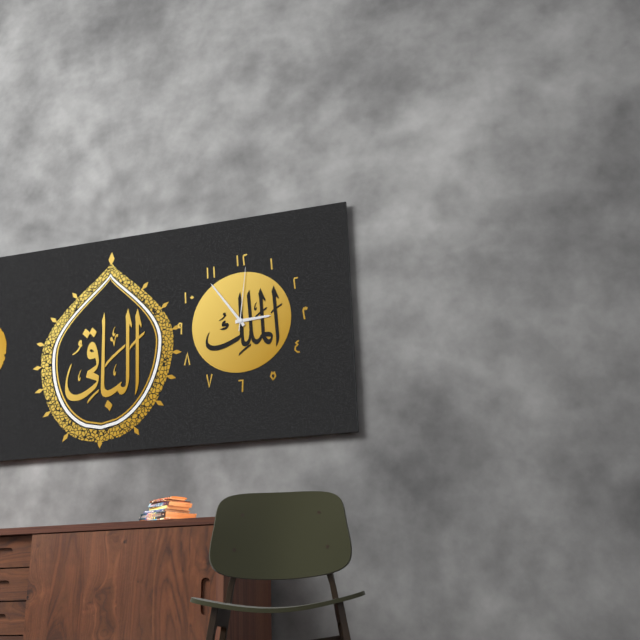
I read **2:54:01**
